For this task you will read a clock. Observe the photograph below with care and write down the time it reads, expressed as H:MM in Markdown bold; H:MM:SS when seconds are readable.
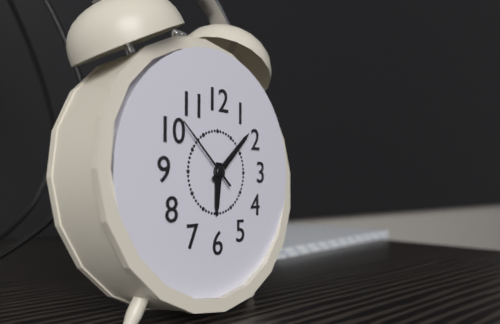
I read **6:08:52**
